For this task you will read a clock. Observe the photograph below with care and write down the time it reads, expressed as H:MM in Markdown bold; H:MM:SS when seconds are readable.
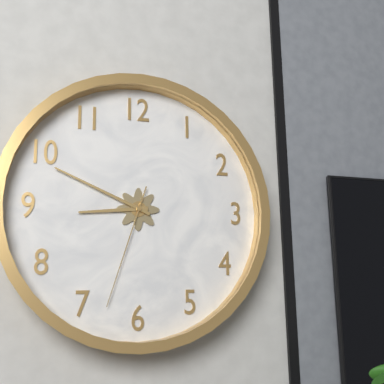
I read **8:49:33**
